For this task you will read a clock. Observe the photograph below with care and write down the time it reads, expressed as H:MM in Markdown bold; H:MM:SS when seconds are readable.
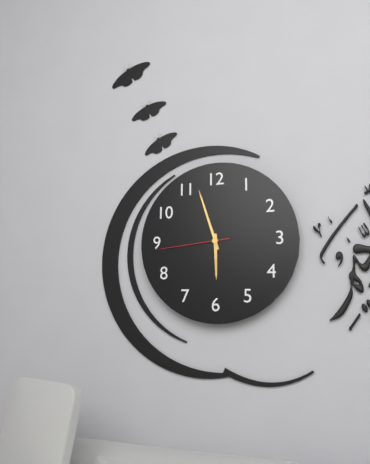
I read **5:57:44**
